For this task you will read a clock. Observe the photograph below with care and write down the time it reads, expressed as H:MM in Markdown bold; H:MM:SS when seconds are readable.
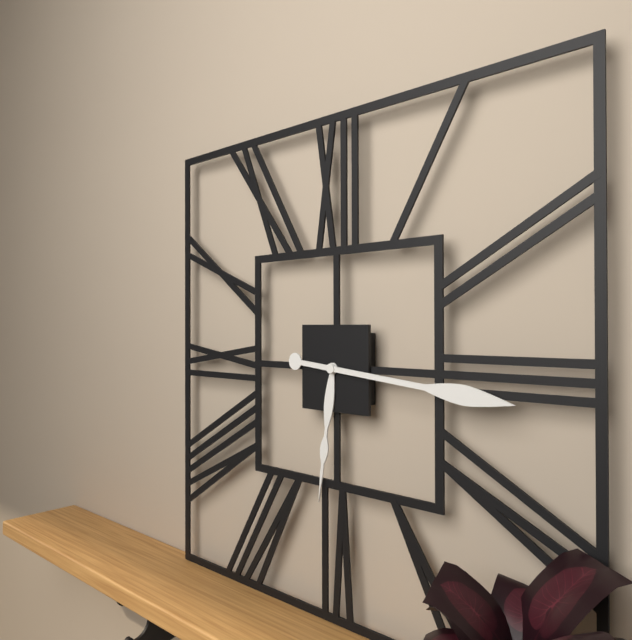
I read **6:16**
